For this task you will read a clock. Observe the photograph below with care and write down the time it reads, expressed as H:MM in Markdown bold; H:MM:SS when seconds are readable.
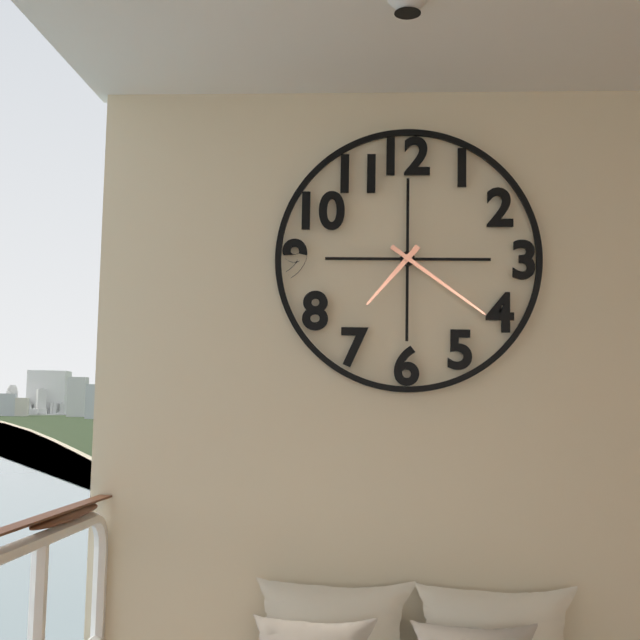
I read **7:21**
